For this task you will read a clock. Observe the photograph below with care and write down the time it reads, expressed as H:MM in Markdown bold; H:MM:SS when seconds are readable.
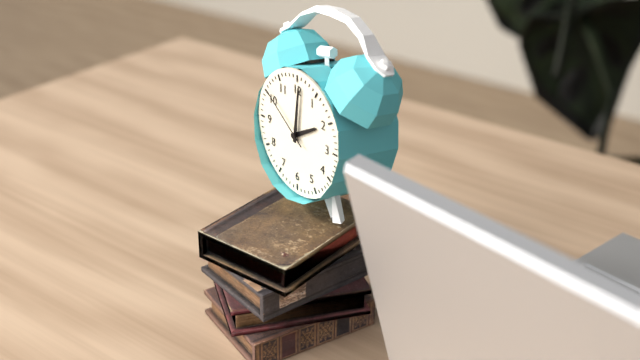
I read **2:01:51**
